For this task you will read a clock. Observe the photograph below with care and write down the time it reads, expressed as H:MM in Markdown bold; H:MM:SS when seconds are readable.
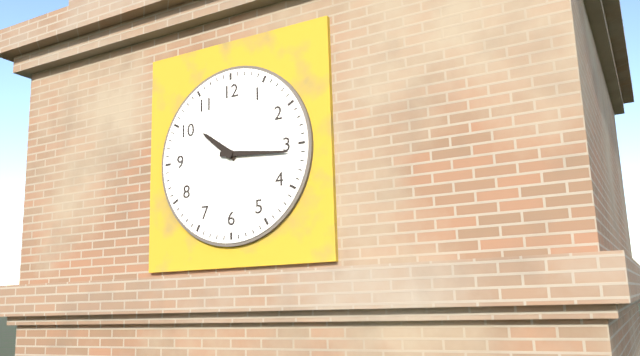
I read **10:16**
